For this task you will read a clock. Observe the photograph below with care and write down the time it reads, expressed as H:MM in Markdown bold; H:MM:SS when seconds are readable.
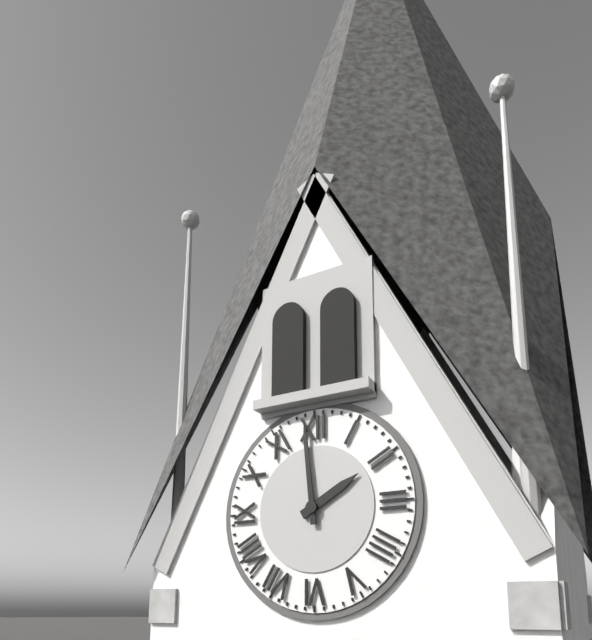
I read **1:59**
